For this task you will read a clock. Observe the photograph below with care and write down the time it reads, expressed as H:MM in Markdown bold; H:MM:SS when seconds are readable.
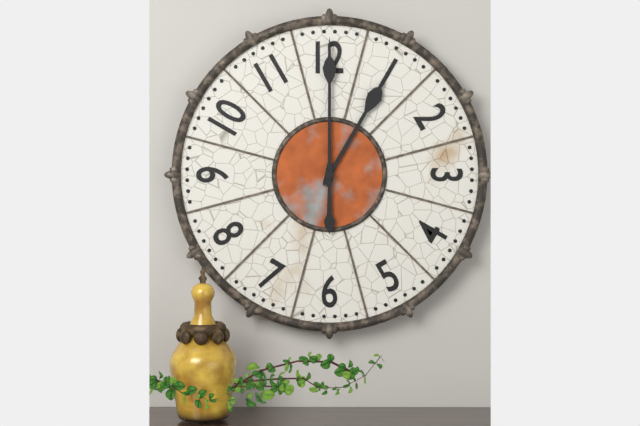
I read **1:00**
